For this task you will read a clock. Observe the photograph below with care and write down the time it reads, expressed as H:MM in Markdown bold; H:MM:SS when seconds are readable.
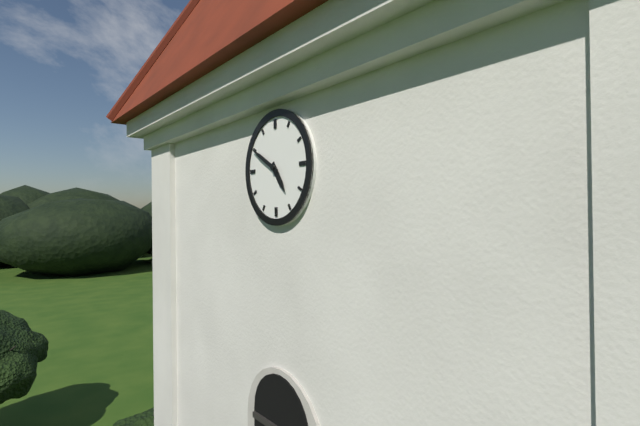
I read **4:50**
